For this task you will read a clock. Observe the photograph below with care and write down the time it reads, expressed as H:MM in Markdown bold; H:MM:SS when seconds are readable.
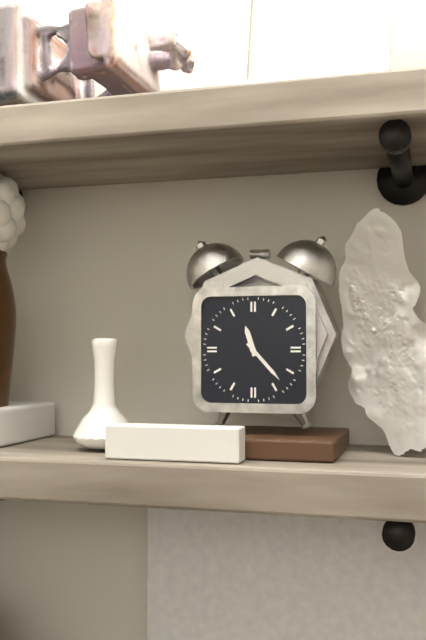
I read **11:23**
